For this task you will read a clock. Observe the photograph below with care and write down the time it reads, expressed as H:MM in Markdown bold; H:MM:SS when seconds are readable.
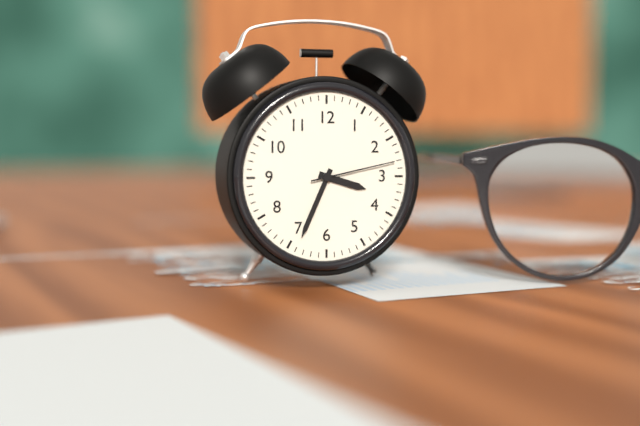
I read **3:34:13**
